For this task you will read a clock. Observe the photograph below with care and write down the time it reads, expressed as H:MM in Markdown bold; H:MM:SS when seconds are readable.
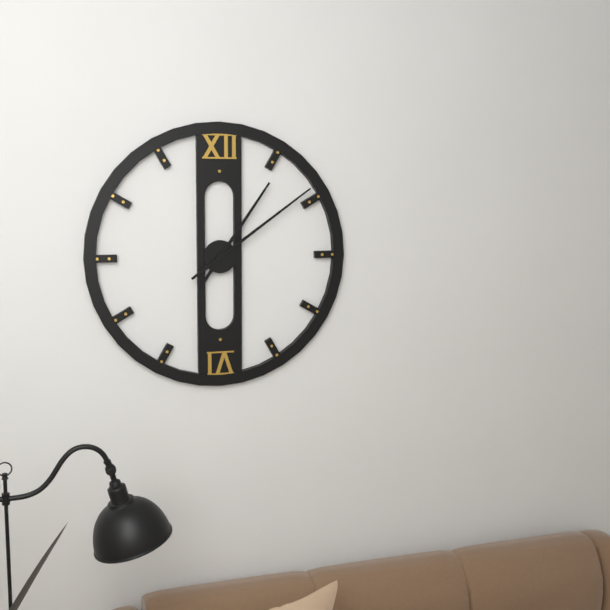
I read **1:09**
